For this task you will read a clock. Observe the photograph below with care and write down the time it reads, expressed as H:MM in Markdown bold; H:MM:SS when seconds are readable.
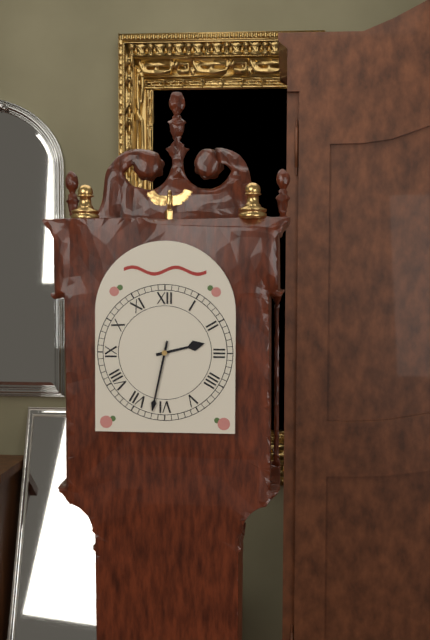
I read **2:32**
